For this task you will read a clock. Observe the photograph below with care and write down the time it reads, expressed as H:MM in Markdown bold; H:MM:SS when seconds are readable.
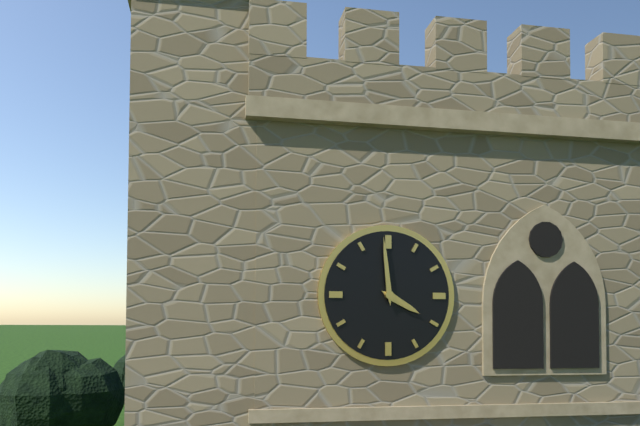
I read **3:59**
